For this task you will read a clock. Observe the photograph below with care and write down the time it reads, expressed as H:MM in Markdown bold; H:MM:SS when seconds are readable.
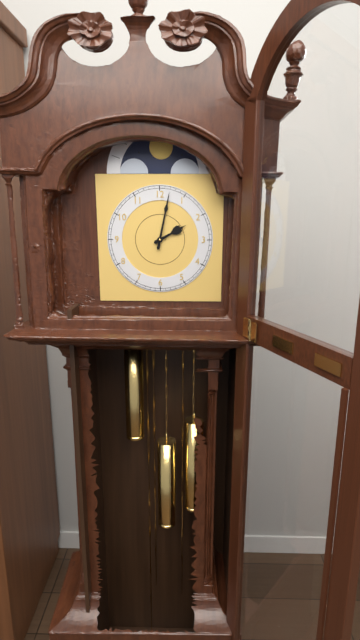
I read **2:02**
